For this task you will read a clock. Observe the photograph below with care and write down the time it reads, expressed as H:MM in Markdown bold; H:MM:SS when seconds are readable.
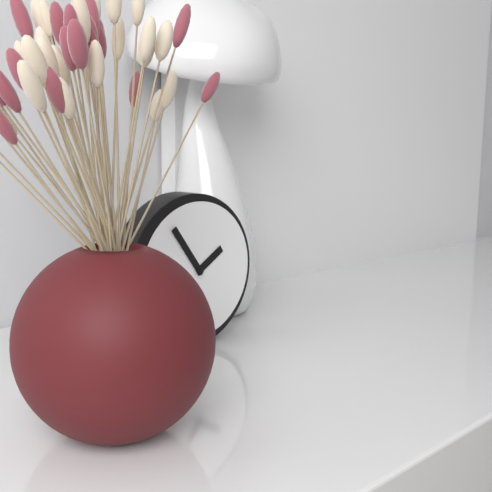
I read **1:54**
